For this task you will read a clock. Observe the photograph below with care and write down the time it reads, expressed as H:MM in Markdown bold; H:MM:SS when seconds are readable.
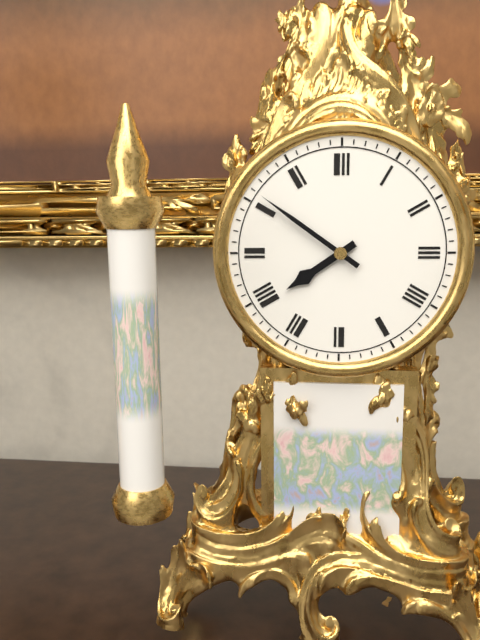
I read **7:51**
